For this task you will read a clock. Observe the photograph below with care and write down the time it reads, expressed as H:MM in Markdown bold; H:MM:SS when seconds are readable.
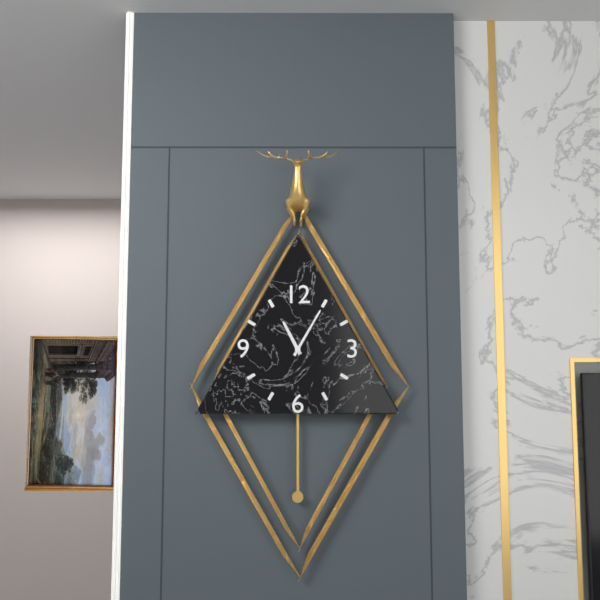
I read **11:05**
